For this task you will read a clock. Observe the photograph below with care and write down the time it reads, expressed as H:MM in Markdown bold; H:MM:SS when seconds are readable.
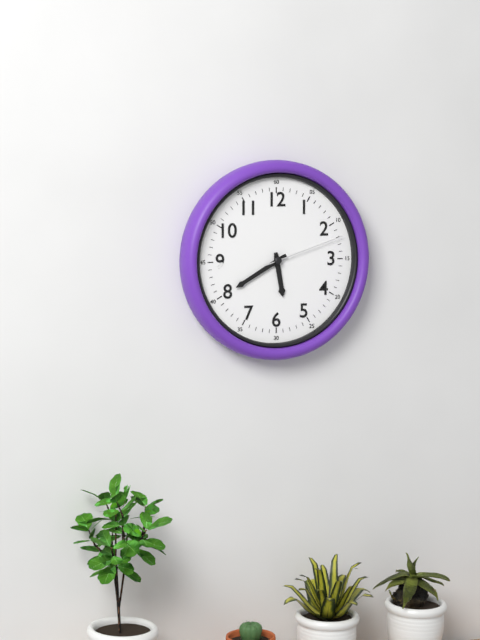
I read **5:40:12**
